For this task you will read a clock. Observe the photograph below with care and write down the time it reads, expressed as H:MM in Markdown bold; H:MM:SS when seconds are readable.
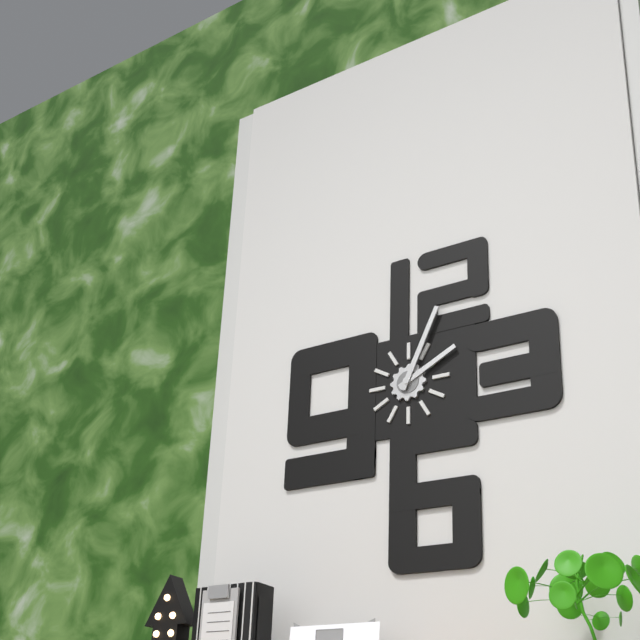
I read **2:04**
